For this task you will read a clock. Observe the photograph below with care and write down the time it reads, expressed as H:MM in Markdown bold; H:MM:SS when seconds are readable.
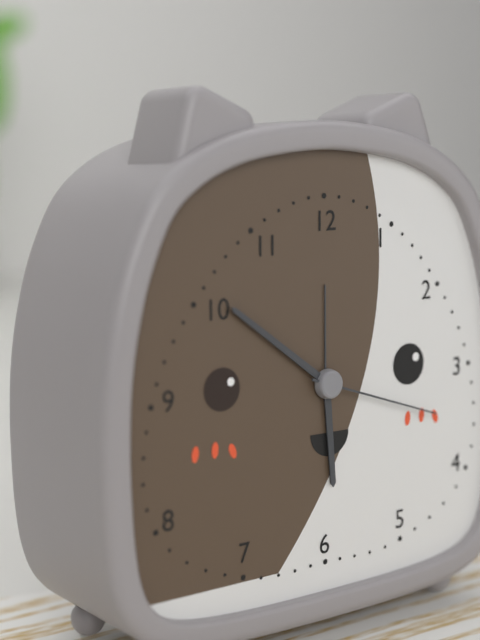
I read **5:51:18**
